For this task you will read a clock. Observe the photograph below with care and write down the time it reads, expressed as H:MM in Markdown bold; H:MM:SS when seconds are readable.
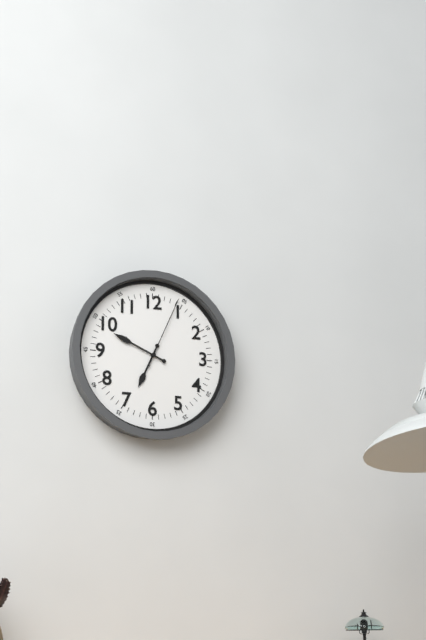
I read **6:49:04**
